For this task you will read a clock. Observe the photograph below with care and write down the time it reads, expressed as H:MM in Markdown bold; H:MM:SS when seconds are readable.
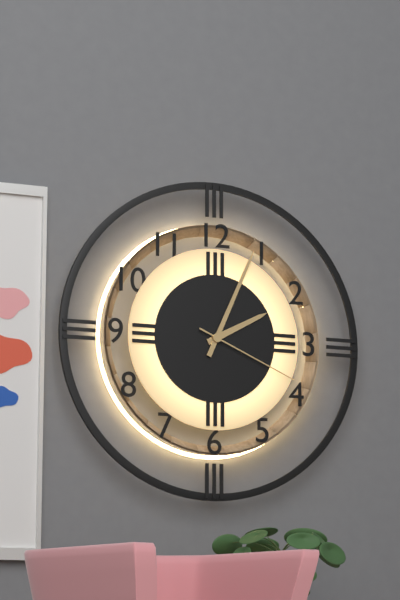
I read **2:04:19**
